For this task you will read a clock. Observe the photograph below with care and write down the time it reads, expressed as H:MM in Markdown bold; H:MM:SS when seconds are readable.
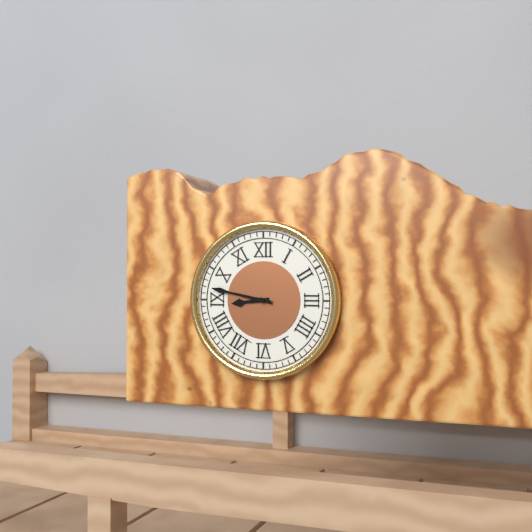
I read **8:47**
